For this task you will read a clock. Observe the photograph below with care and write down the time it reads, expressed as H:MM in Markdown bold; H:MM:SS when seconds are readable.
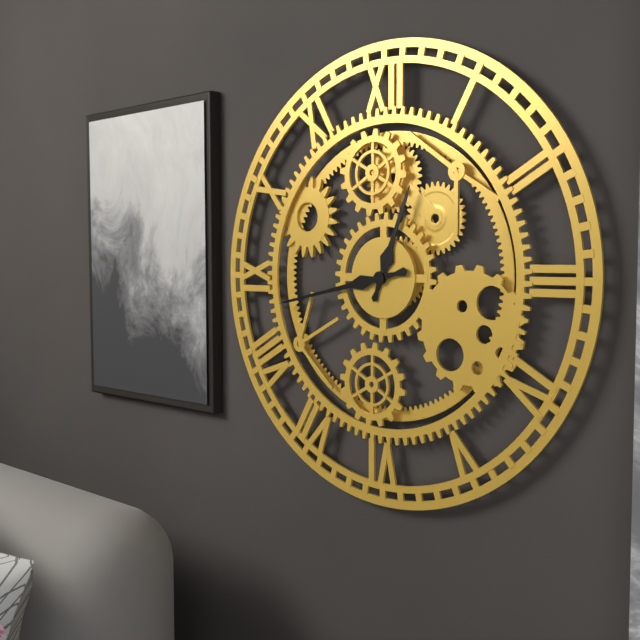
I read **12:43**
